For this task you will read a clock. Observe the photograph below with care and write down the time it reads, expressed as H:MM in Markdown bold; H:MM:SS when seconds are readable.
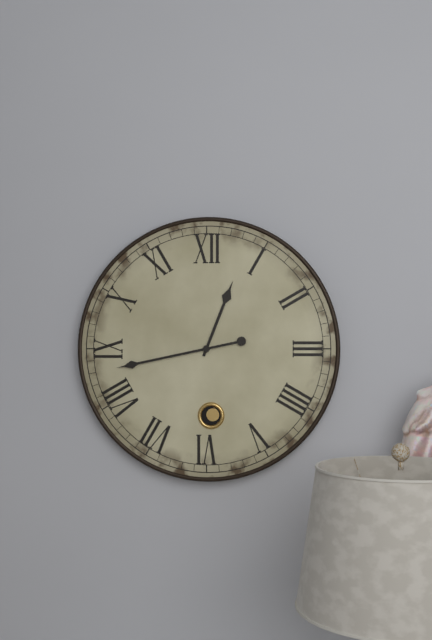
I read **12:43**
